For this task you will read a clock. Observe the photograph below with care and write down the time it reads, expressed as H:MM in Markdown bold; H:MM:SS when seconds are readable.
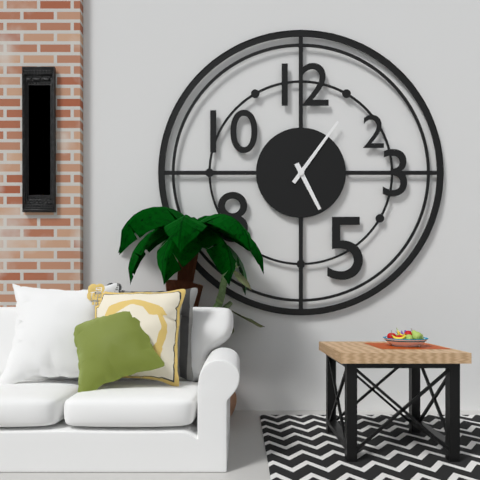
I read **5:06**
